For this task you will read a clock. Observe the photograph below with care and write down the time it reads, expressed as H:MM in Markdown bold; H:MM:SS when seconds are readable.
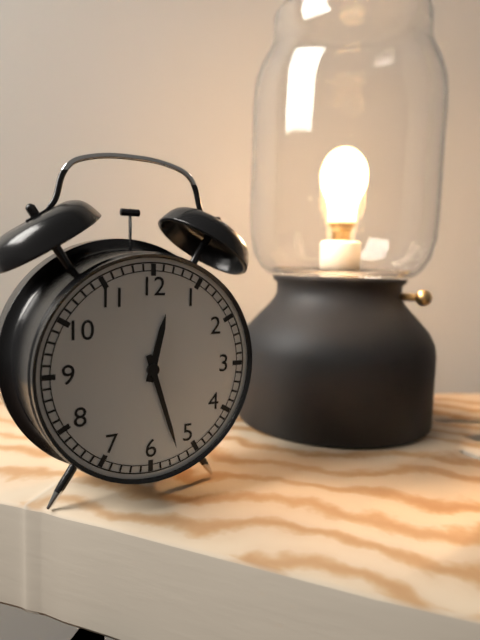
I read **12:27**
